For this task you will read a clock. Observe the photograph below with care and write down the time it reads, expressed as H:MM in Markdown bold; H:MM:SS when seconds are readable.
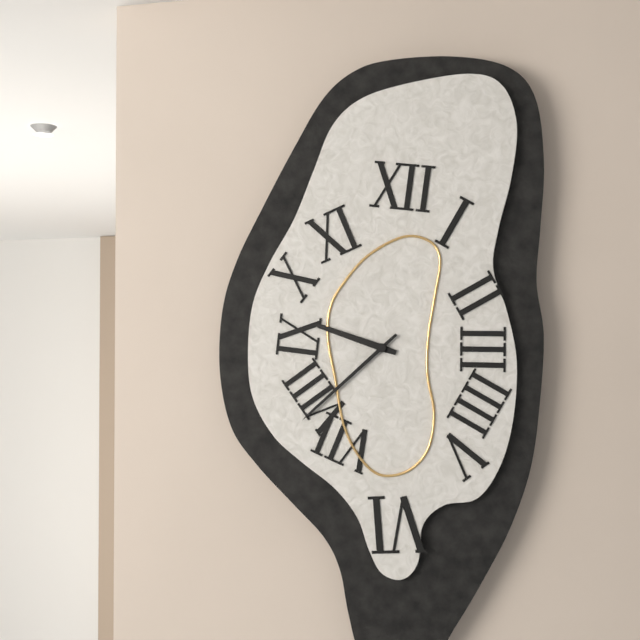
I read **9:38**
